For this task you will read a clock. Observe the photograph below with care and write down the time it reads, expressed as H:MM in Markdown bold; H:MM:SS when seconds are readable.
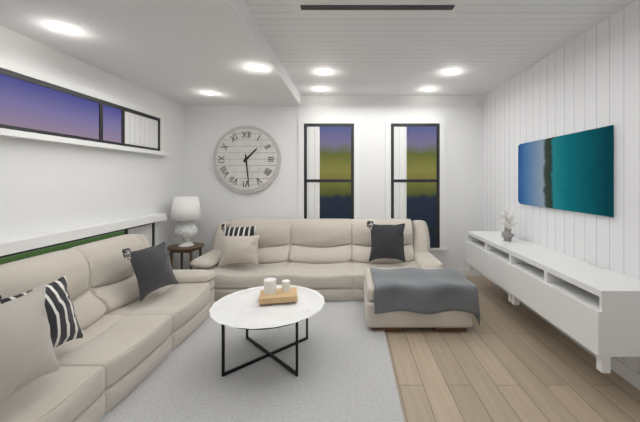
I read **1:29**
